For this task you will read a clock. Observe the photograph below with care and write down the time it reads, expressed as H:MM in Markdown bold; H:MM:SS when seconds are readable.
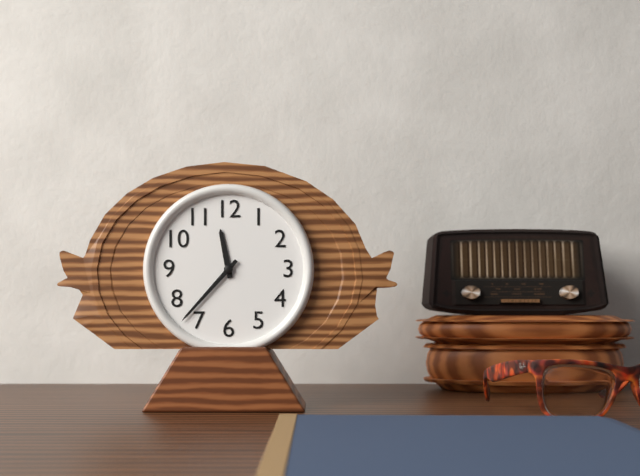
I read **11:37**
